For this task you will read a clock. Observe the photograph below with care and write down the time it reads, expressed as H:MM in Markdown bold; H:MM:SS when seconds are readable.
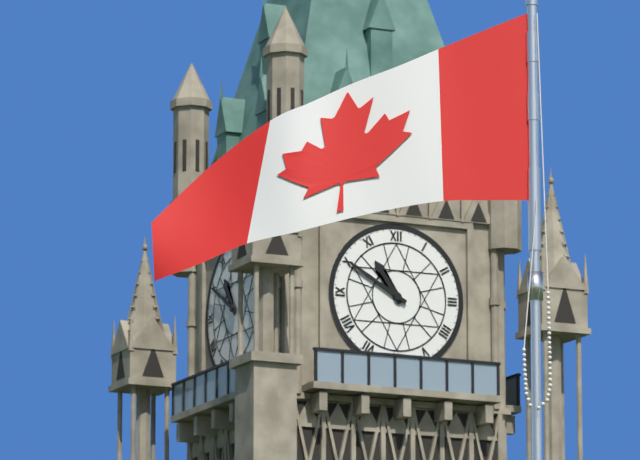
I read **10:50**
